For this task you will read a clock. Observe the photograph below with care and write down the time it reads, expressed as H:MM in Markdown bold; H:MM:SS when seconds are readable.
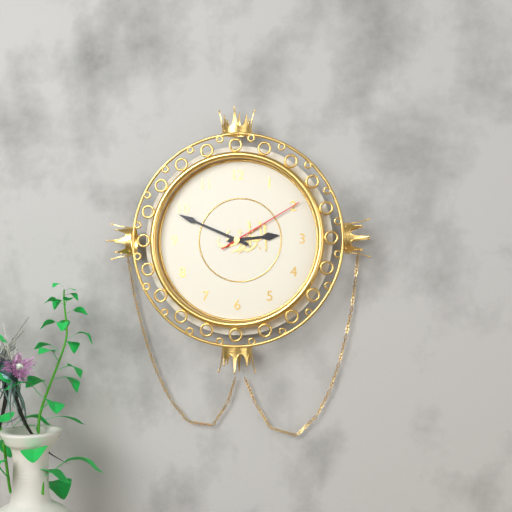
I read **2:49:10**
